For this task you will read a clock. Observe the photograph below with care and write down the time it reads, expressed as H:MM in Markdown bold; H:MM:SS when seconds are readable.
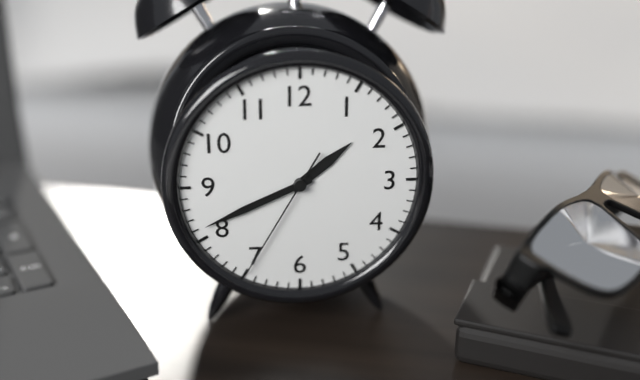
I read **1:41:35**
